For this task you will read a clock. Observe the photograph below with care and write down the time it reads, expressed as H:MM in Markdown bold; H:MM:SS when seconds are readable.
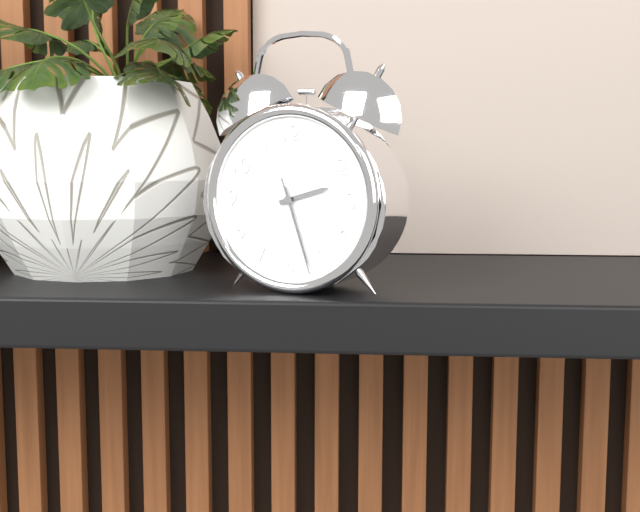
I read **2:27:27**
